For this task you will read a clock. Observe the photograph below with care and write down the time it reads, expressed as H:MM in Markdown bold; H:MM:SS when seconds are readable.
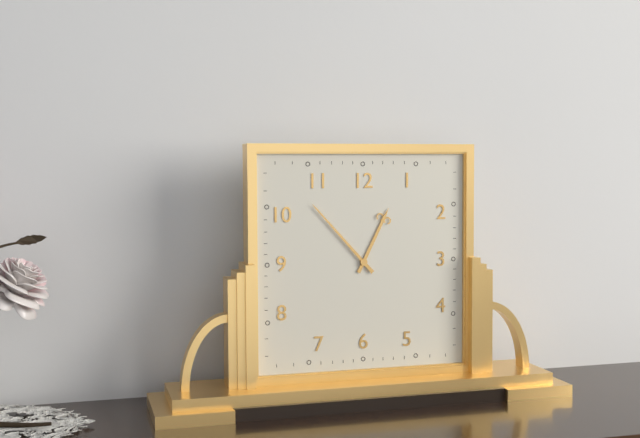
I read **12:53**
